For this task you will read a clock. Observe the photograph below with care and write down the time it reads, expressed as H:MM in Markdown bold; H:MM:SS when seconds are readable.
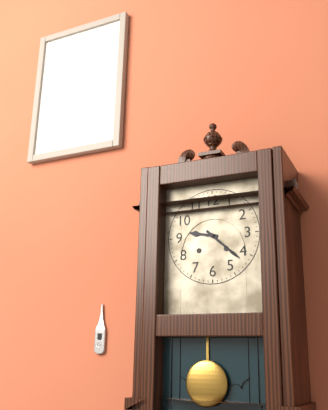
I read **9:22**
